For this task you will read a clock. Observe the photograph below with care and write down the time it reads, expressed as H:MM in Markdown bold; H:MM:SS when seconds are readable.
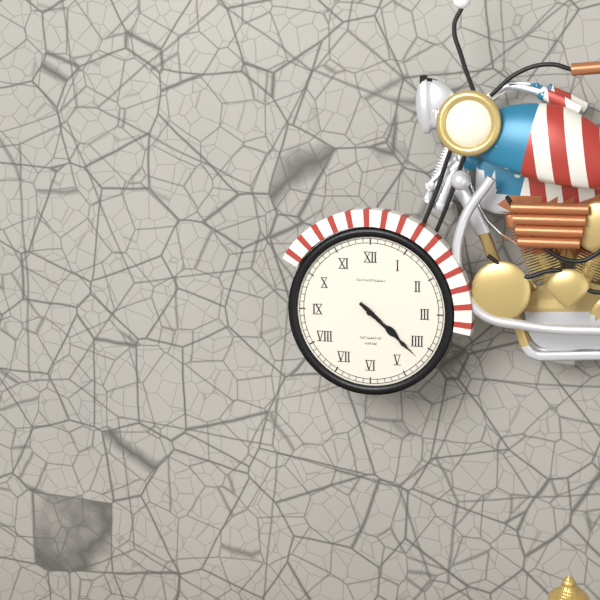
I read **4:22**
